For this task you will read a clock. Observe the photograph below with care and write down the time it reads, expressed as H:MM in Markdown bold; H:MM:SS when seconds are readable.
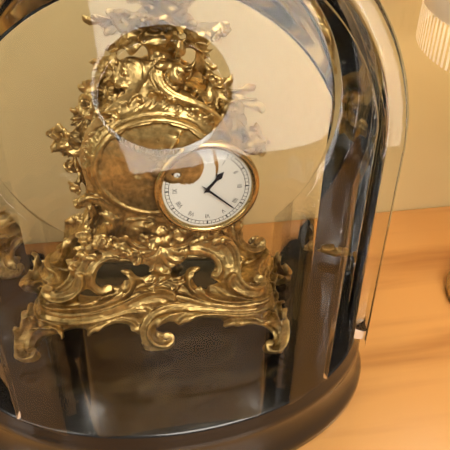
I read **1:22**
